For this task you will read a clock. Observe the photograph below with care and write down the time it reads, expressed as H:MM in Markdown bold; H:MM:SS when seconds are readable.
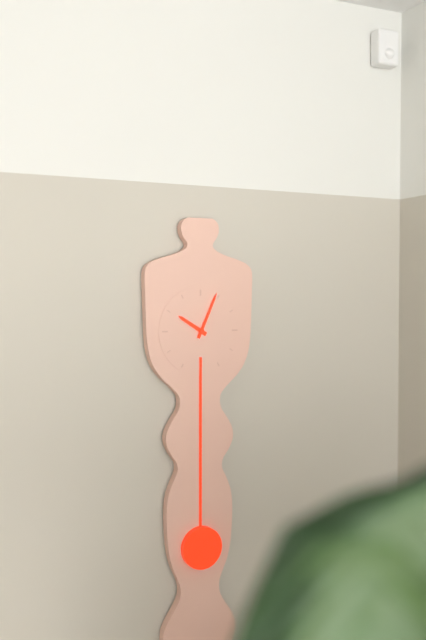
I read **10:04**
